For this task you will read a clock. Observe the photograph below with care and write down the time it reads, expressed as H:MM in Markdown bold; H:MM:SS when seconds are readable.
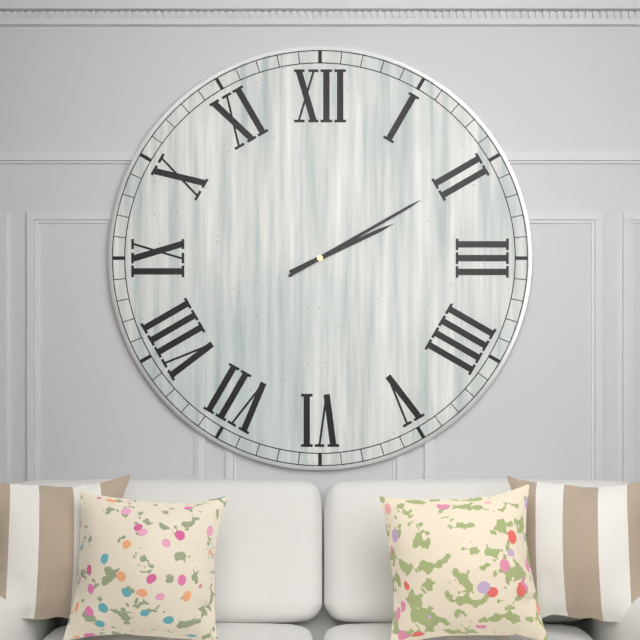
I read **2:10**
